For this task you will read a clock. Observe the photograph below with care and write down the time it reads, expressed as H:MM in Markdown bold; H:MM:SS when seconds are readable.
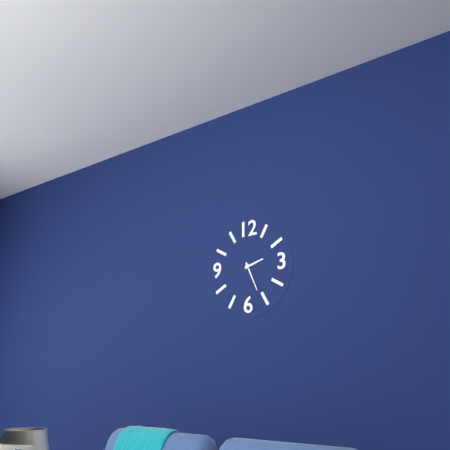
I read **2:26**
